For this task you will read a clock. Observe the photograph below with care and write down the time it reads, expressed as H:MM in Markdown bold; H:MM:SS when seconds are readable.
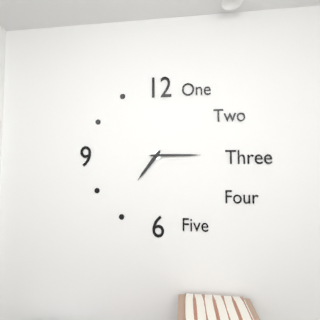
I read **7:15**
